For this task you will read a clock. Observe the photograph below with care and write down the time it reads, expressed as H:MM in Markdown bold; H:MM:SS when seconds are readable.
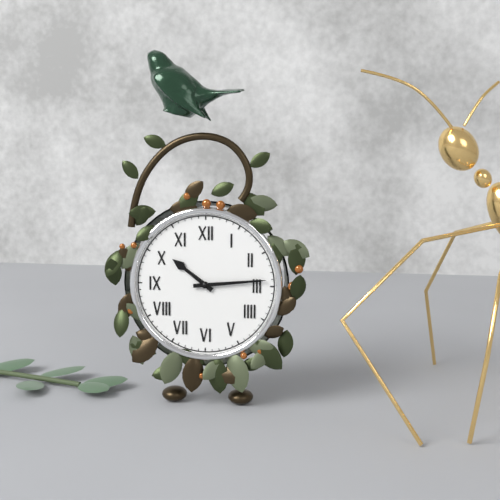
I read **10:14**
